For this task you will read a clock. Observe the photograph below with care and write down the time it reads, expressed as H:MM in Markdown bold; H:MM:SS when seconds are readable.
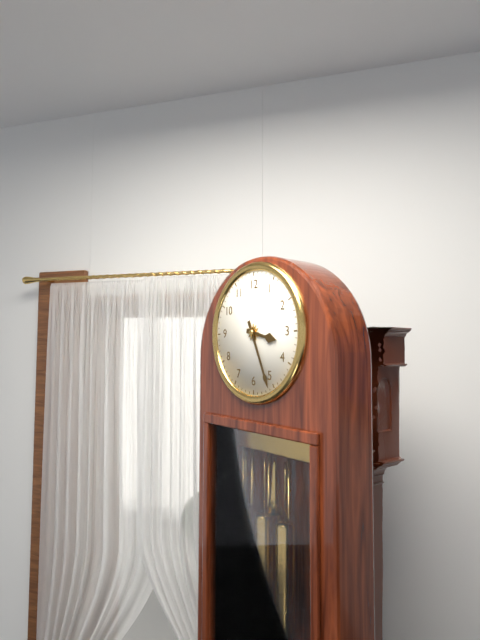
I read **3:26**
